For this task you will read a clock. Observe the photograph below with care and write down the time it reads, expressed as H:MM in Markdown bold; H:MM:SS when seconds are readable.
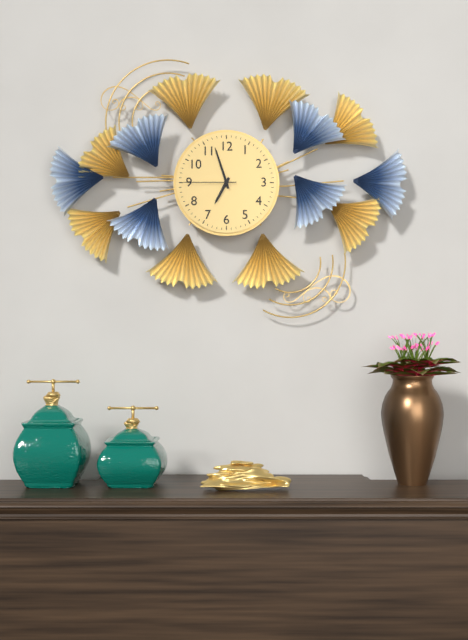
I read **6:57:45**
